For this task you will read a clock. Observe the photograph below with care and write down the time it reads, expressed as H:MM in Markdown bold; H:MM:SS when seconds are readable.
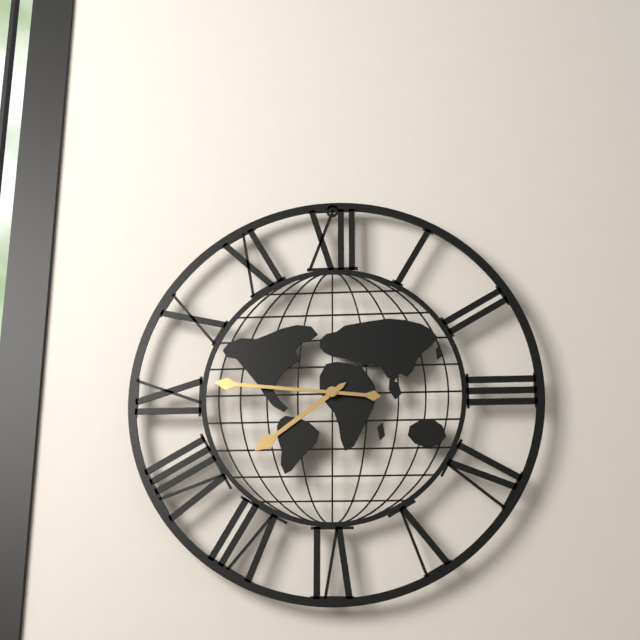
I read **7:46**
